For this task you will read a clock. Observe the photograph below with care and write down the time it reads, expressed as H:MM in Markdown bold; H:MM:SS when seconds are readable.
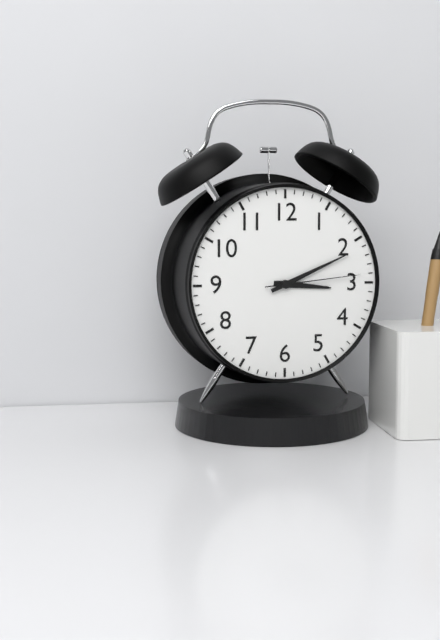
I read **3:11:14**
